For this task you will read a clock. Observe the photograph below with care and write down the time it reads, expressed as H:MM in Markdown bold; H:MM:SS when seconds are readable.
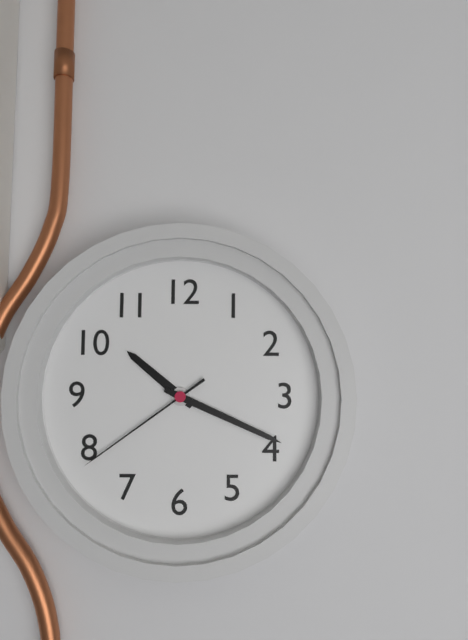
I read **10:19:39**
